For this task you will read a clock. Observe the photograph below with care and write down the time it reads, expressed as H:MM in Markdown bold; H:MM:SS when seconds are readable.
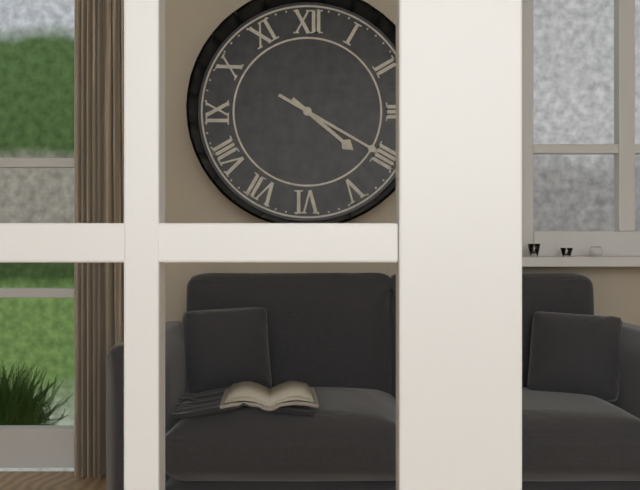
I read **4:20**
